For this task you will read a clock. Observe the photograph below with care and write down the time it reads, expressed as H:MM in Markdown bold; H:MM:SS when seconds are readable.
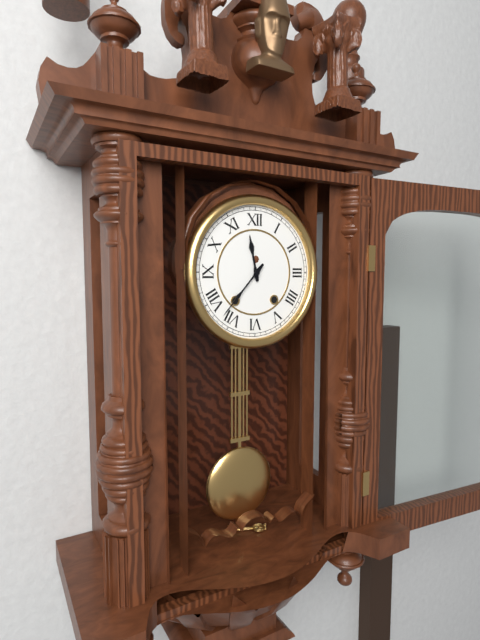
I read **11:37**
